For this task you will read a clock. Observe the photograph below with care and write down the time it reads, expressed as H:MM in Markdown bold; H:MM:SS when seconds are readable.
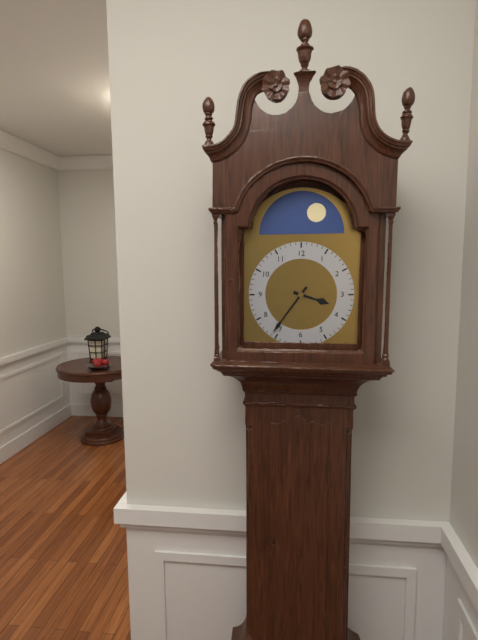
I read **3:36**
